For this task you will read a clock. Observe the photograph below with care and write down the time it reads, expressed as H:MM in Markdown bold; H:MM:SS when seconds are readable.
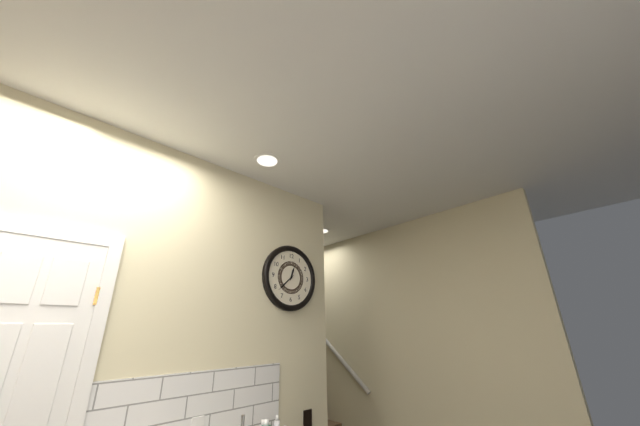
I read **12:38**
